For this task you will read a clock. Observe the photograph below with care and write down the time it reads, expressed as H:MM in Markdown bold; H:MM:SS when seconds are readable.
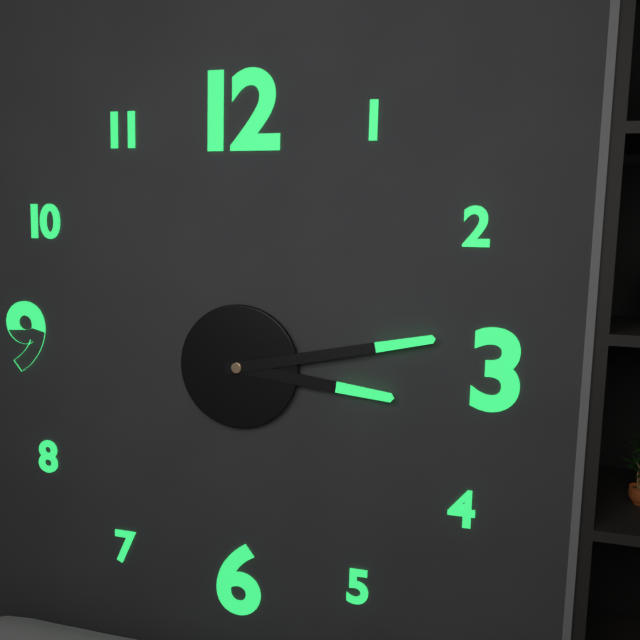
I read **3:13**
